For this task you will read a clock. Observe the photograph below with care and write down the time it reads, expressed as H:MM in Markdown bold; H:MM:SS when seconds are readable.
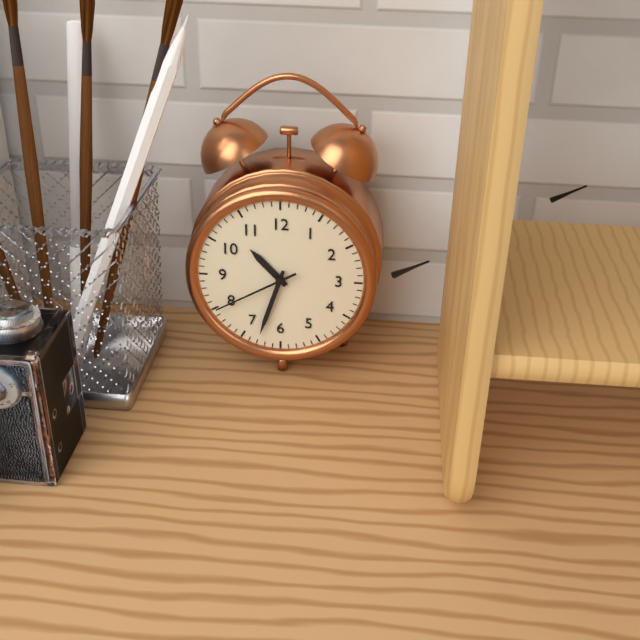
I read **10:33:40**
